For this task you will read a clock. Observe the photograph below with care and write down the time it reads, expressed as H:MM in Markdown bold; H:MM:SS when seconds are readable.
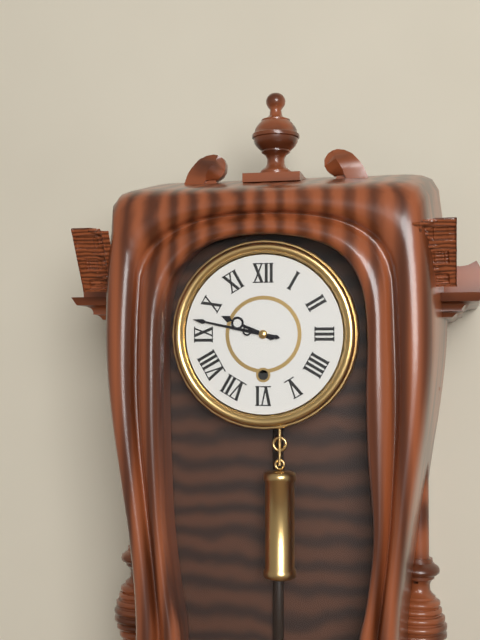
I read **9:47**
